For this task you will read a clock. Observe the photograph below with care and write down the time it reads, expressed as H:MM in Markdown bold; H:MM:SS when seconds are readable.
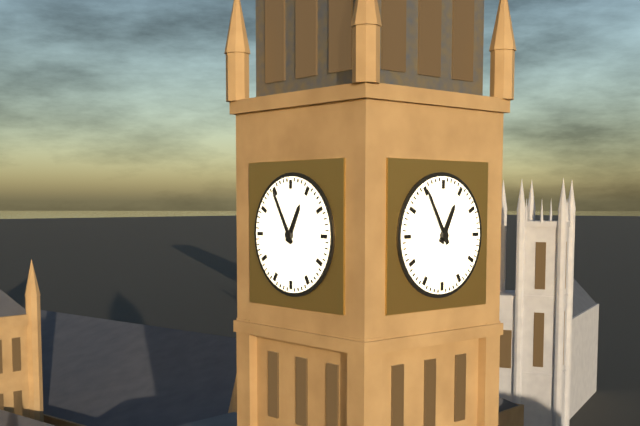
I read **12:55**
